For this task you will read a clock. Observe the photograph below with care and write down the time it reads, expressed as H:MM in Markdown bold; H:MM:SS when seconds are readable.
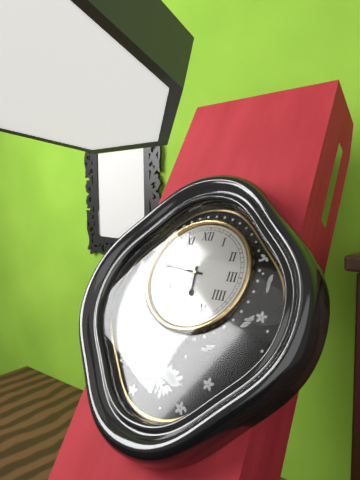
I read **5:46**
